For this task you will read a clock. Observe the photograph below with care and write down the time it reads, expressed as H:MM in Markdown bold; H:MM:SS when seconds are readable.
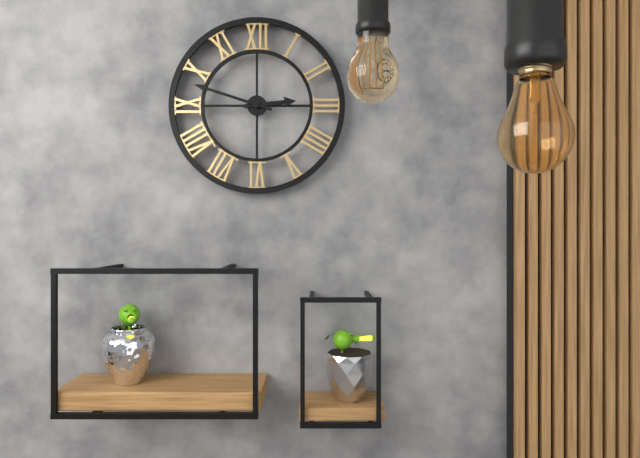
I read **2:48**
